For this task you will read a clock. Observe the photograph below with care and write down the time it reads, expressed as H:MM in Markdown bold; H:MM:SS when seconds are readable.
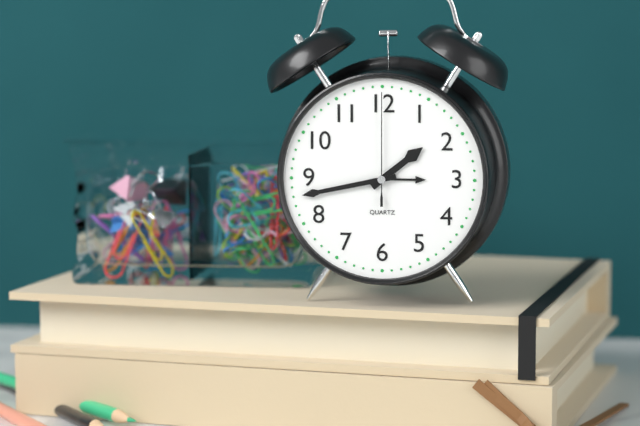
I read **1:43:00**
